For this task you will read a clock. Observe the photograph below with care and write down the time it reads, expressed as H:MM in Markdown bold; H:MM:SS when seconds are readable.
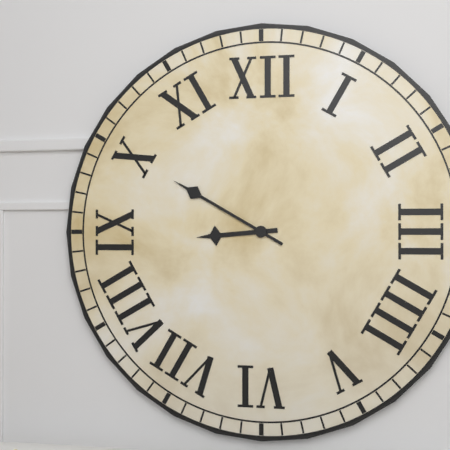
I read **8:50**
